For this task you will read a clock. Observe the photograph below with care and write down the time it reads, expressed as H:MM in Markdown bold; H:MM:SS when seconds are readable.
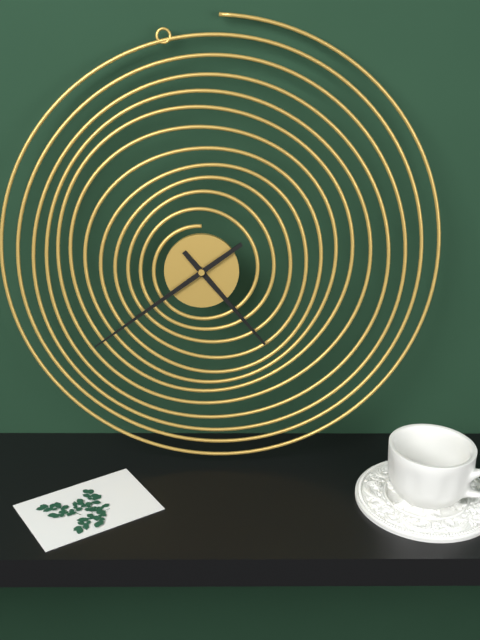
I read **4:39**
